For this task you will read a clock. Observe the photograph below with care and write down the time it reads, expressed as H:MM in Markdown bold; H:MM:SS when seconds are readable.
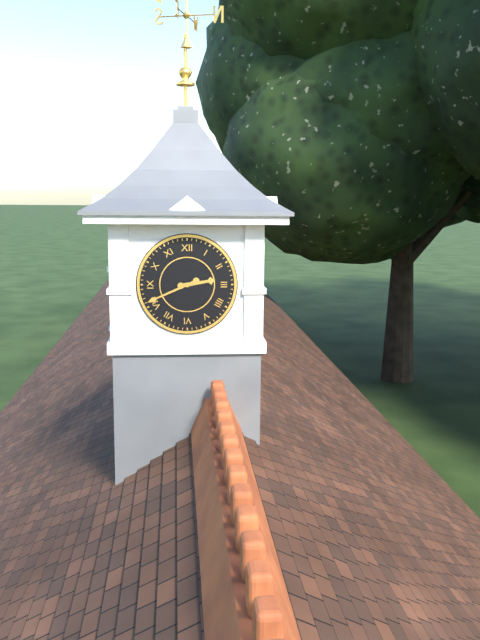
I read **2:41**
